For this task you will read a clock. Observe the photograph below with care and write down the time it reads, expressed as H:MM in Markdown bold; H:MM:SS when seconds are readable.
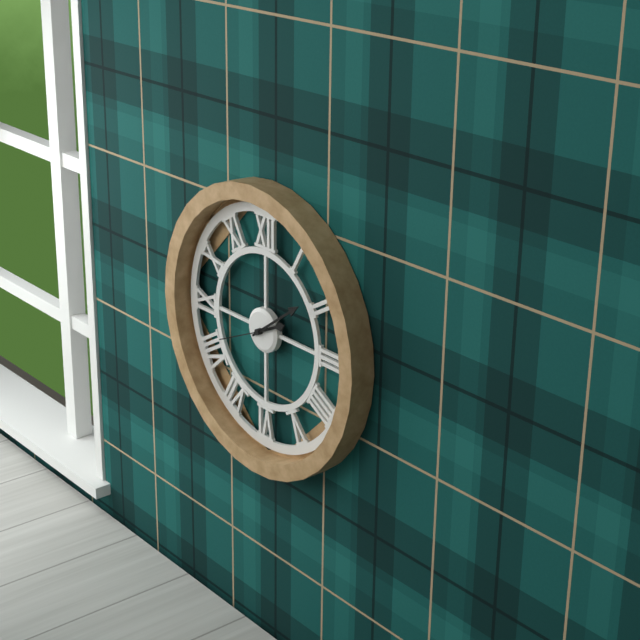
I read **2:09:41**
